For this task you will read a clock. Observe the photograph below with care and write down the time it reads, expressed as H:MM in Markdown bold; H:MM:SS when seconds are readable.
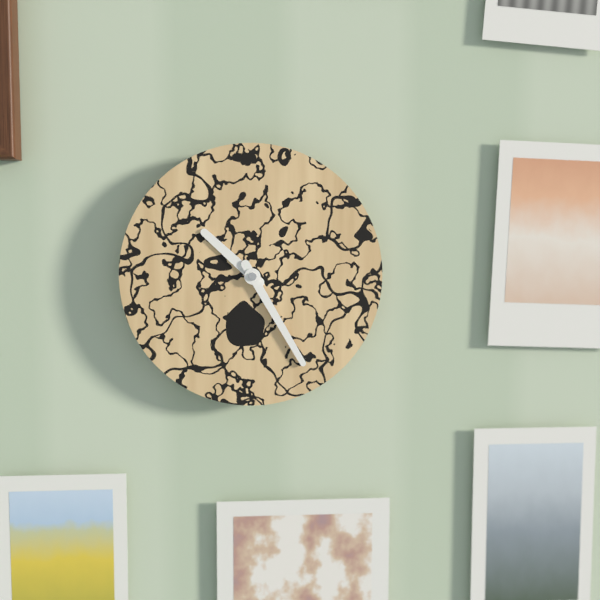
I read **10:25**
